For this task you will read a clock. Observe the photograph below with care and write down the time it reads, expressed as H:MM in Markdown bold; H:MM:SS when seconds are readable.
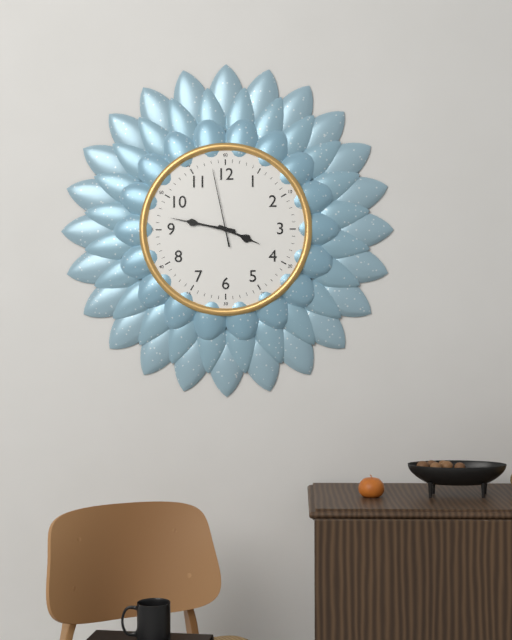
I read **3:47:58**
